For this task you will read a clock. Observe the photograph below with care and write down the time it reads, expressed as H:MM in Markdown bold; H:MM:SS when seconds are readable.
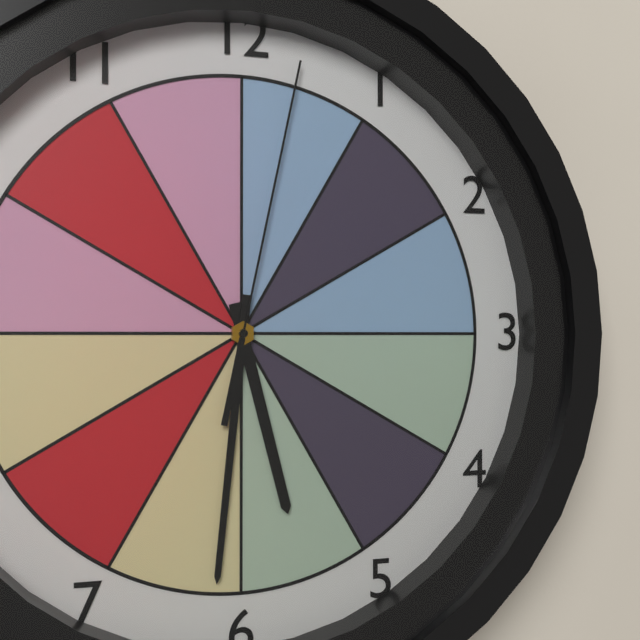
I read **5:31:02**
